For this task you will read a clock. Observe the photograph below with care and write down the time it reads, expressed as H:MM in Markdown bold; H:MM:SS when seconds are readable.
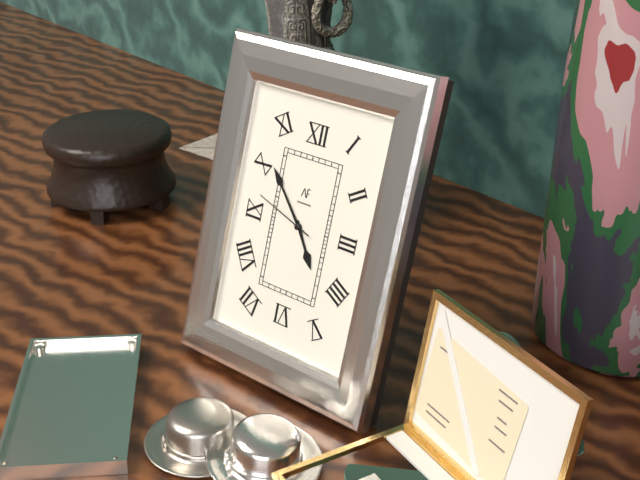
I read **4:53:48**
